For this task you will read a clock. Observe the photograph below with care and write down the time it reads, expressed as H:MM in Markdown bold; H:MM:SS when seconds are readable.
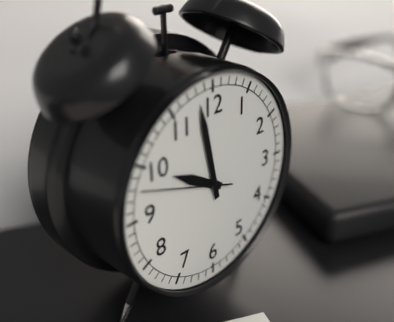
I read **9:58:48**
